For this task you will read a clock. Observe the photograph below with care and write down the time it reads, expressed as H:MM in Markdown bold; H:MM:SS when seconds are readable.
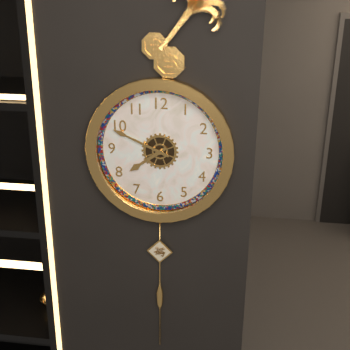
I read **7:49**
